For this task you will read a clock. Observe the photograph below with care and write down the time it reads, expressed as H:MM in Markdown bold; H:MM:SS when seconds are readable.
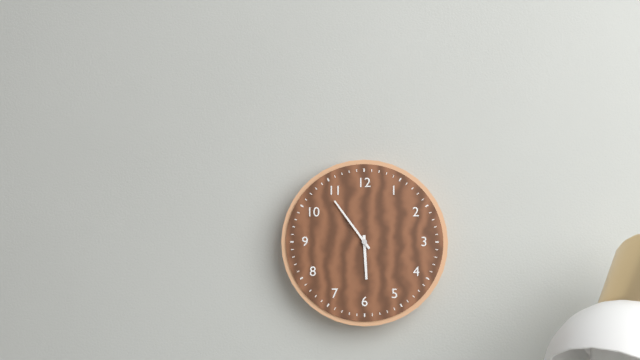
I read **5:54**
